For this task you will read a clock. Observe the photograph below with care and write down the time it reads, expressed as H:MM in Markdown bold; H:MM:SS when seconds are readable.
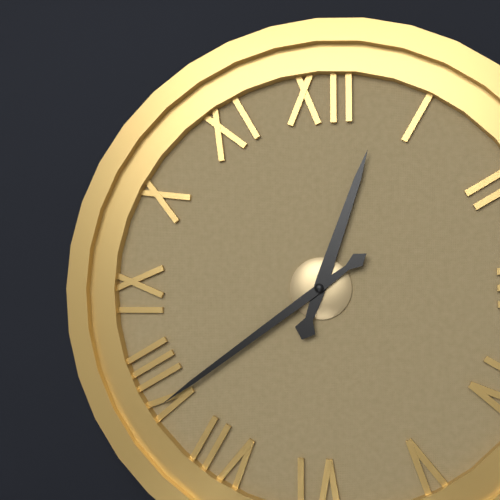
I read **12:39**
